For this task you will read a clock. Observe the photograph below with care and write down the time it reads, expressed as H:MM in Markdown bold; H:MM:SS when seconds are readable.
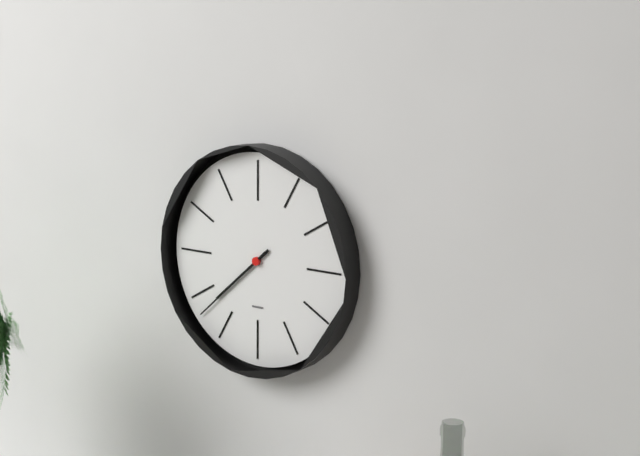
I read **7:38**
